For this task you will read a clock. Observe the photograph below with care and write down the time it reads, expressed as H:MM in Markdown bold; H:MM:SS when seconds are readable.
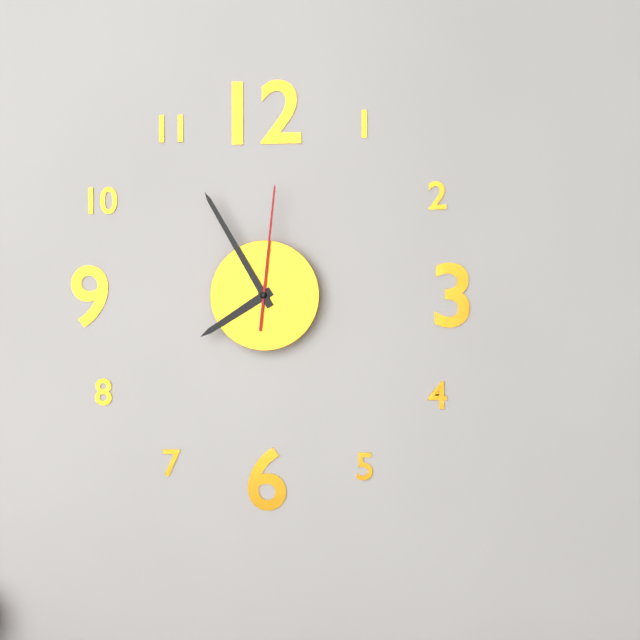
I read **7:55:01**
